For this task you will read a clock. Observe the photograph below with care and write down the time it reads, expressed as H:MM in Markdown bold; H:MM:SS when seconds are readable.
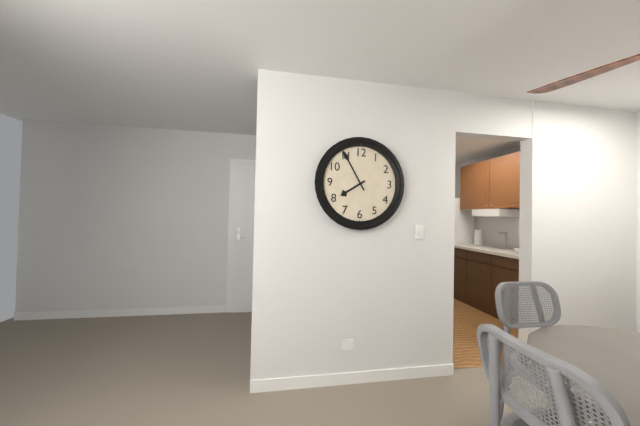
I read **7:55**
